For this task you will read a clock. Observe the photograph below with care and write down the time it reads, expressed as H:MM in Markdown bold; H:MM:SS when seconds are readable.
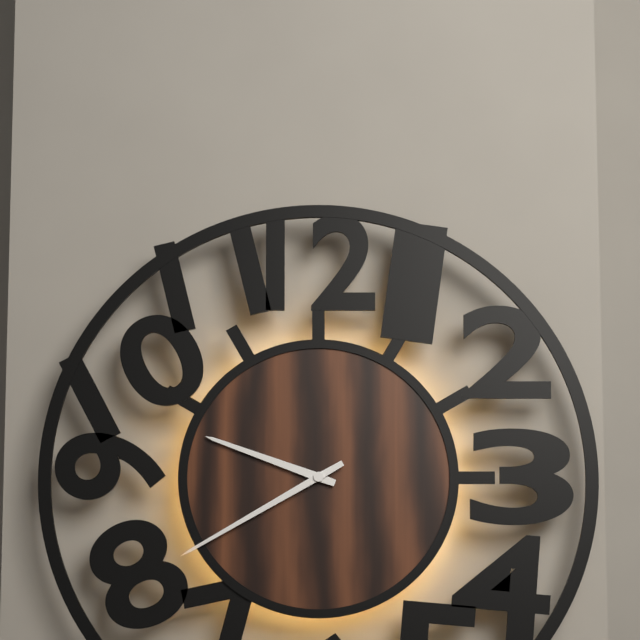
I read **9:40**
